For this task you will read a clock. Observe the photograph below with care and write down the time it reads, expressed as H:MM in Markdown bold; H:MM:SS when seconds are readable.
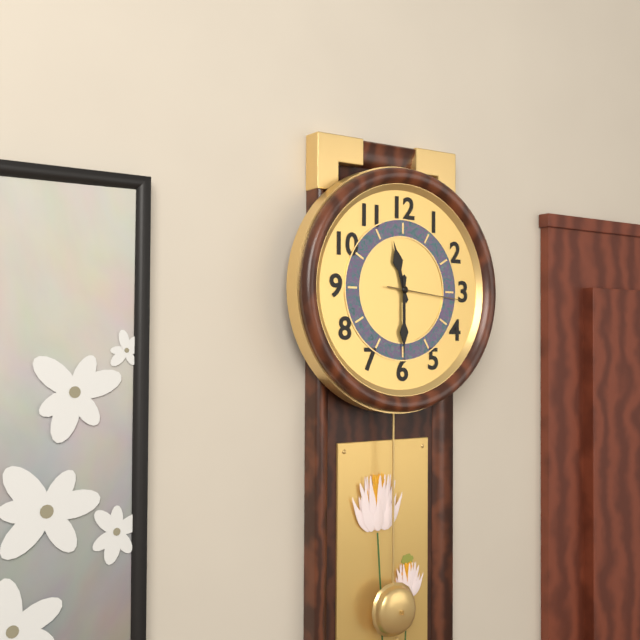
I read **11:30:16**
